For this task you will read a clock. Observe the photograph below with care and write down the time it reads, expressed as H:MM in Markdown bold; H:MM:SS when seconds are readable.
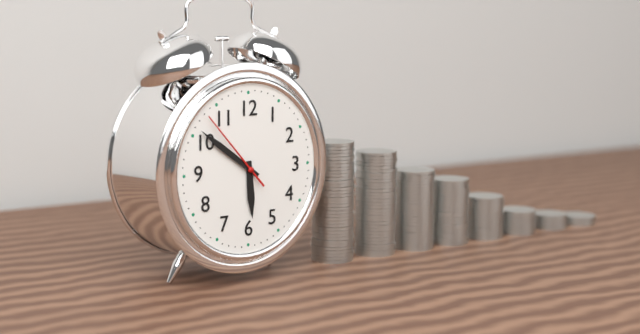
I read **5:51:53**
